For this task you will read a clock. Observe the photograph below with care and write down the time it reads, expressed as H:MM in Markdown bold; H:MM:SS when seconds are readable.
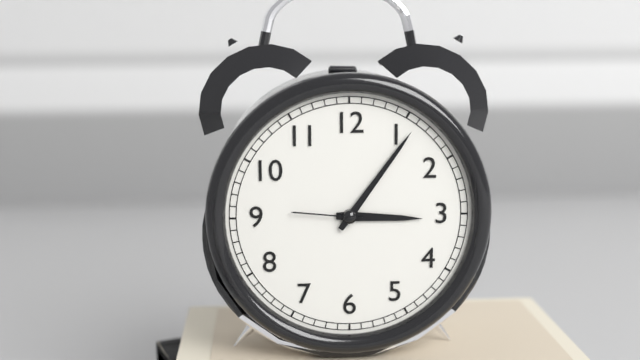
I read **3:06:46**
